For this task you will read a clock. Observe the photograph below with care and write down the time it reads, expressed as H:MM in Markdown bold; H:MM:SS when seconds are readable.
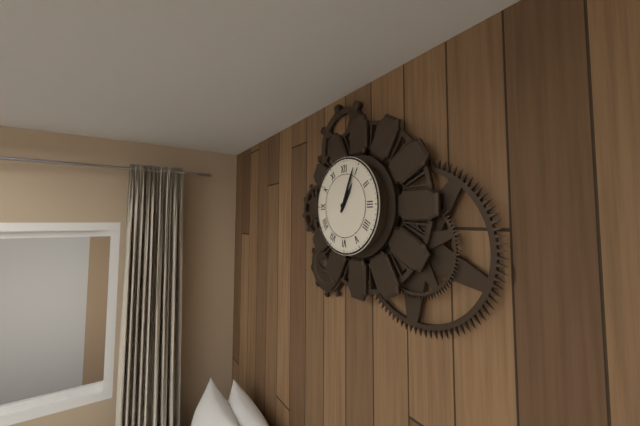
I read **1:04**
